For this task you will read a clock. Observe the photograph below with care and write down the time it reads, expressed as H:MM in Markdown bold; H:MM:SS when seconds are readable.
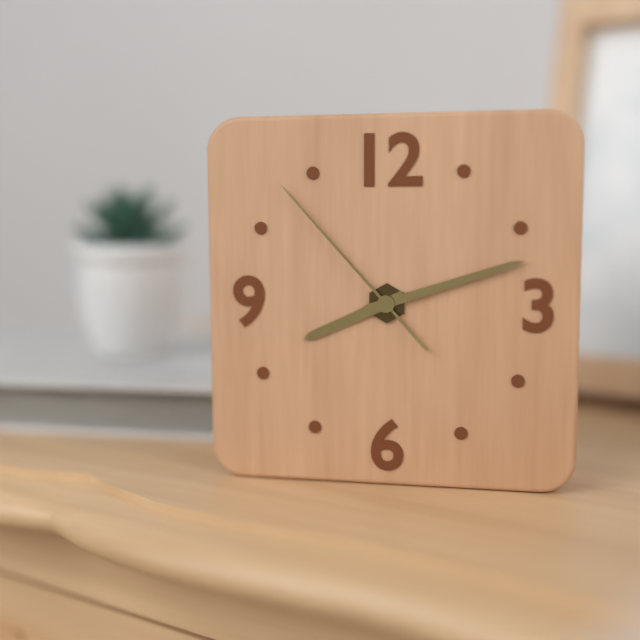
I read **8:12:53**
